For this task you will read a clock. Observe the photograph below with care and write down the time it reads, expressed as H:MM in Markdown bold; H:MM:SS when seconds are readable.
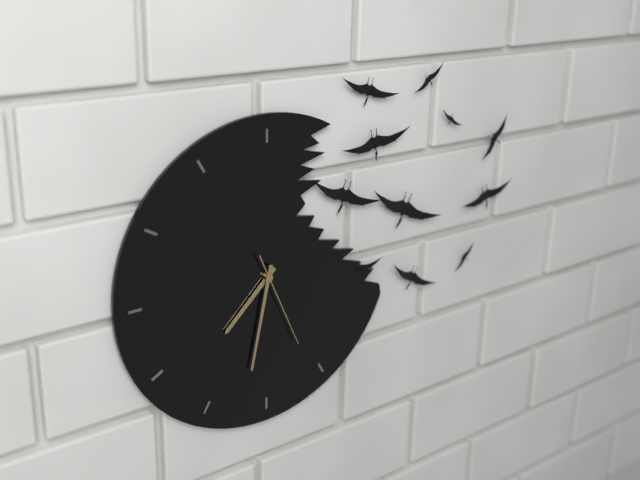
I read **7:32:26**
